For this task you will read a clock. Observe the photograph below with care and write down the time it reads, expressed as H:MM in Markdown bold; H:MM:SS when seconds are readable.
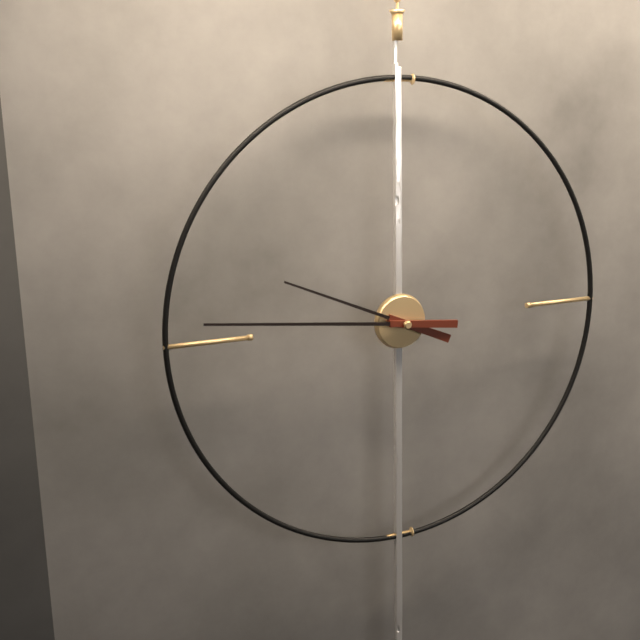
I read **9:46**
